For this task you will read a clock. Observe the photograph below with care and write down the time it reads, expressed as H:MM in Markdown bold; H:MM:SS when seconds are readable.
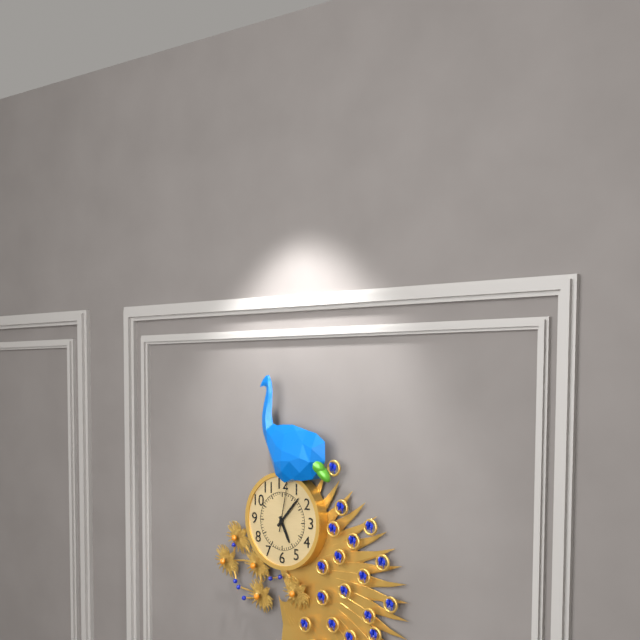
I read **5:07**
